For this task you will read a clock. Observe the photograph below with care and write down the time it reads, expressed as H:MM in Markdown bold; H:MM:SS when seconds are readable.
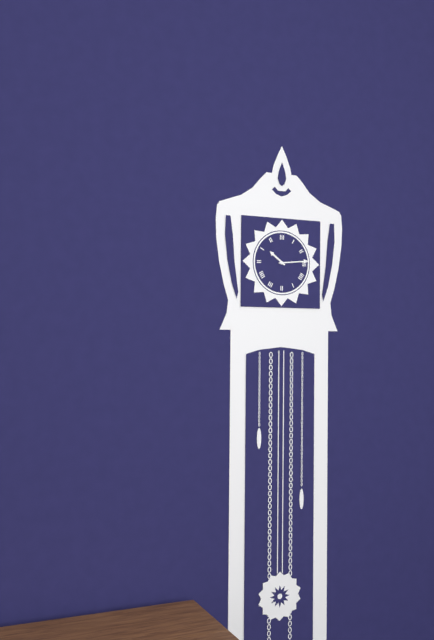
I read **10:14**
